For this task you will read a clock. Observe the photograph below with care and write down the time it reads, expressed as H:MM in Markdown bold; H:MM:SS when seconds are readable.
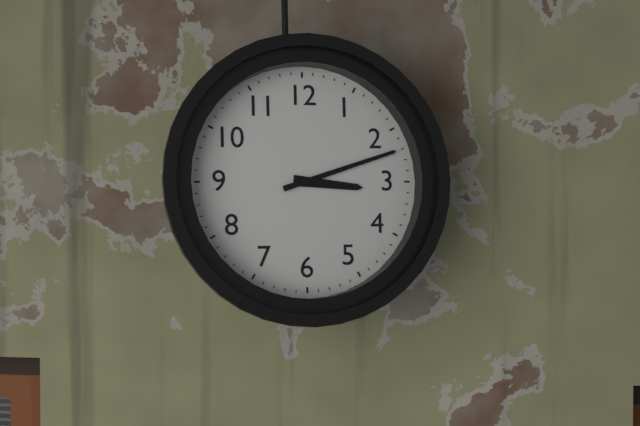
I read **3:12**
